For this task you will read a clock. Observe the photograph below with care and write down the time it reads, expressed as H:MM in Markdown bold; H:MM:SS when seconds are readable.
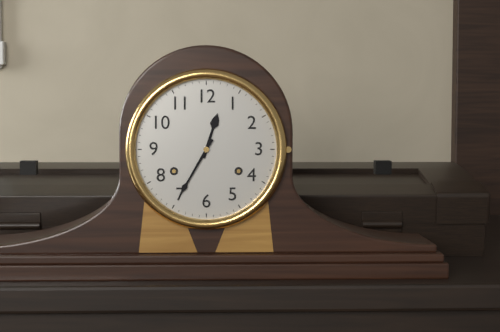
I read **12:35**
